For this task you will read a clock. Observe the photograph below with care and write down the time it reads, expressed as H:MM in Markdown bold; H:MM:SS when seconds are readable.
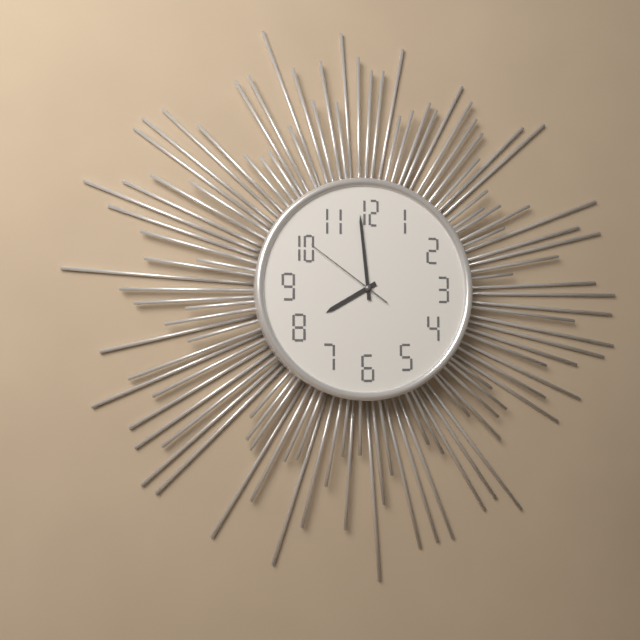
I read **7:59:51**
